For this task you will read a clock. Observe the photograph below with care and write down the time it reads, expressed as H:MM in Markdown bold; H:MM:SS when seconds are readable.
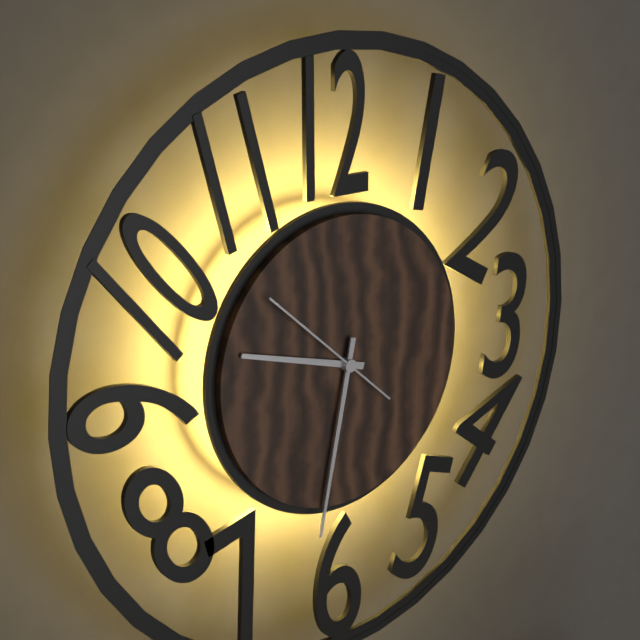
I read **9:32:52**
